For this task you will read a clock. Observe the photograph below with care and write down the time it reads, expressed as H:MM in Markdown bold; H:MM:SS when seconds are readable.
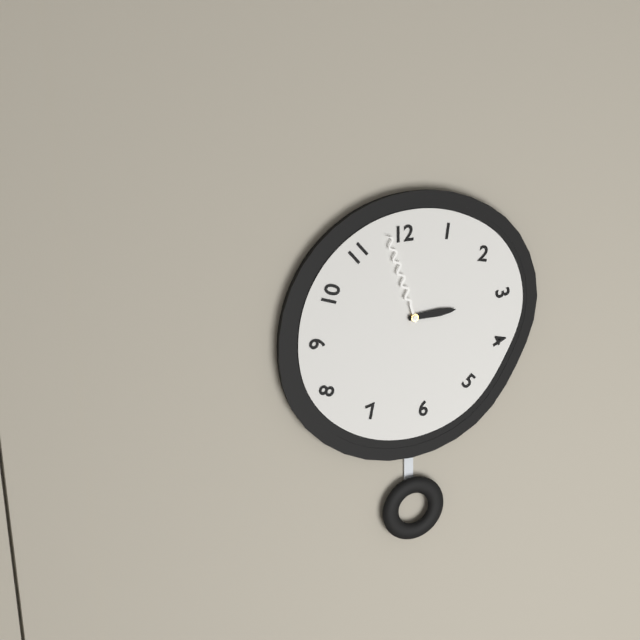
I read **2:57**
